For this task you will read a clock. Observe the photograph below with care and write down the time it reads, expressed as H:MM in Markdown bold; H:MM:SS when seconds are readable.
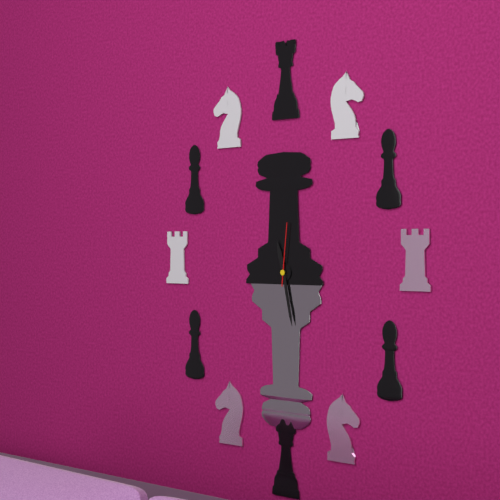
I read **11:28:01**
